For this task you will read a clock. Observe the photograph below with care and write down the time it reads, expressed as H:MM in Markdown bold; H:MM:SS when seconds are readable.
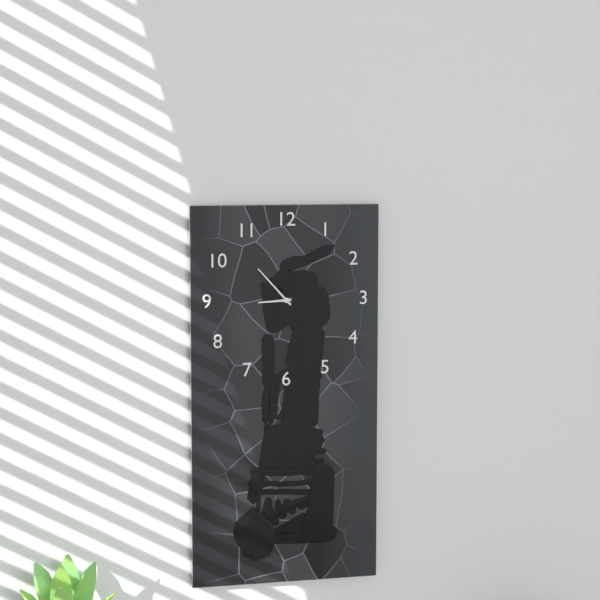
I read **8:53**
